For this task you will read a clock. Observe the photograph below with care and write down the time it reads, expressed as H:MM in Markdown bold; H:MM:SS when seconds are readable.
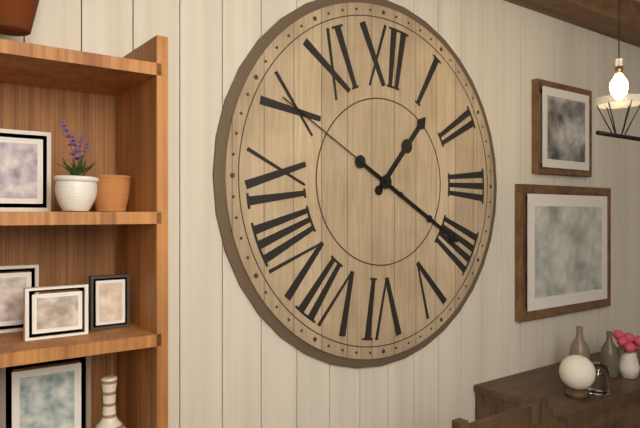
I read **1:20:50**
